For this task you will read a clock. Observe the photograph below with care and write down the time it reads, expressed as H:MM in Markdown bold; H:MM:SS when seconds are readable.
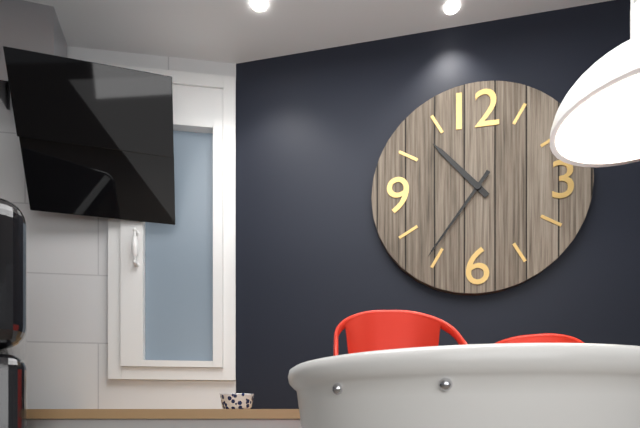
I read **10:36**
